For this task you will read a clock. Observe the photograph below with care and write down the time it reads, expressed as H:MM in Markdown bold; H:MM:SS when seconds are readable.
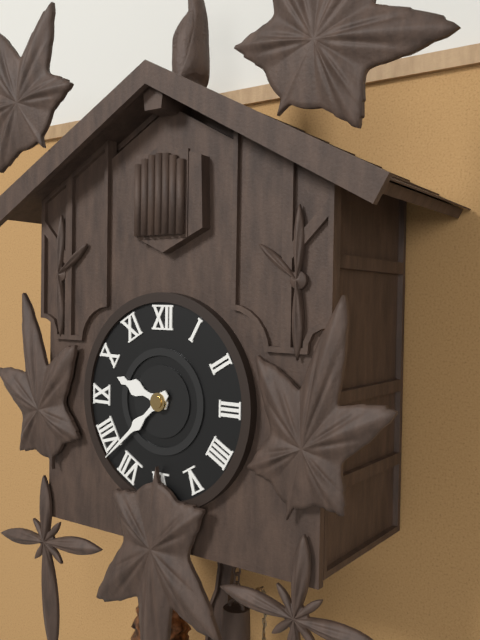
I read **9:38**
